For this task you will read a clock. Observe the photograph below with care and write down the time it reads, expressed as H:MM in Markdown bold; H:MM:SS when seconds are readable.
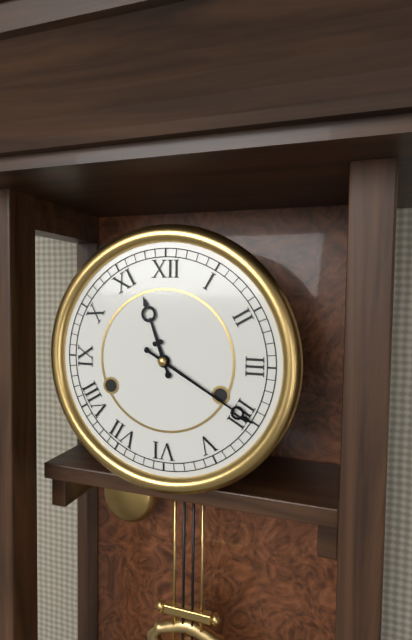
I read **11:20**
